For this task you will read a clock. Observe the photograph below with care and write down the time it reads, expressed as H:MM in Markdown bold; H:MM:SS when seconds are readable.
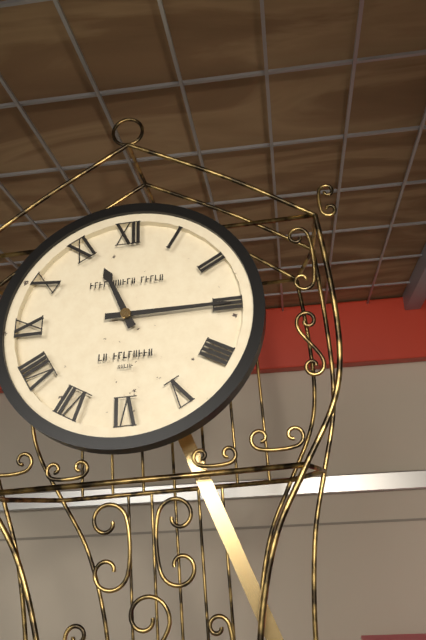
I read **11:15**
